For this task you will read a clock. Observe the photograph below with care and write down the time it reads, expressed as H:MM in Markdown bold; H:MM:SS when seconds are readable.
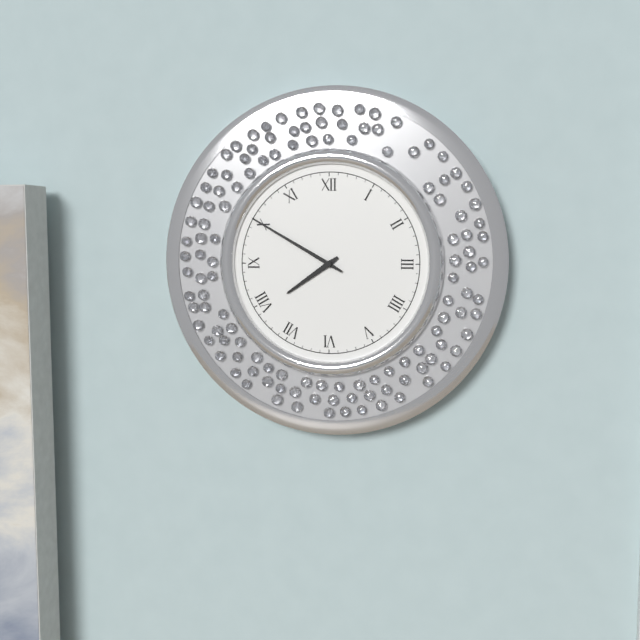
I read **7:50**
